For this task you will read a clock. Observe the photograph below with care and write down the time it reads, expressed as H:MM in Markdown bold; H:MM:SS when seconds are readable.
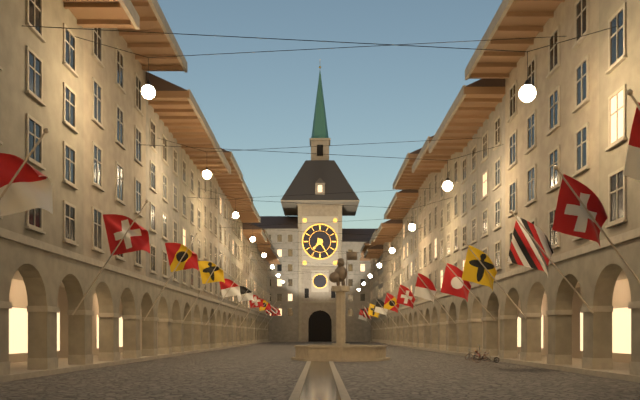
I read **7:25**
